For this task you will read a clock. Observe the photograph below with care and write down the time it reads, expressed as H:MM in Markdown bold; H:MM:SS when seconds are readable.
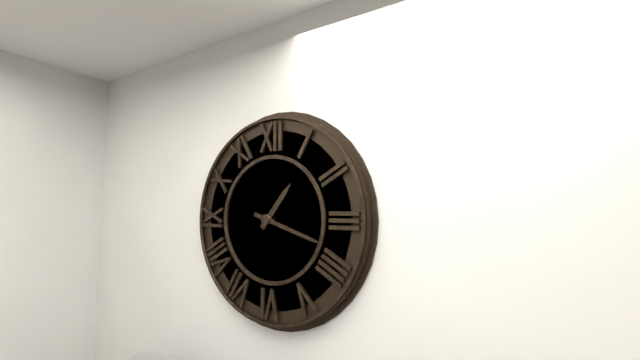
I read **1:18**
